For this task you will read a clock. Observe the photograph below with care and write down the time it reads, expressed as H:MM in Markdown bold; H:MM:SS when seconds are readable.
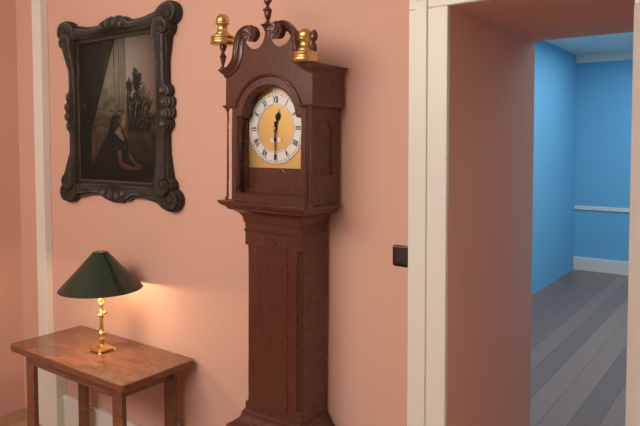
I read **12:30**
